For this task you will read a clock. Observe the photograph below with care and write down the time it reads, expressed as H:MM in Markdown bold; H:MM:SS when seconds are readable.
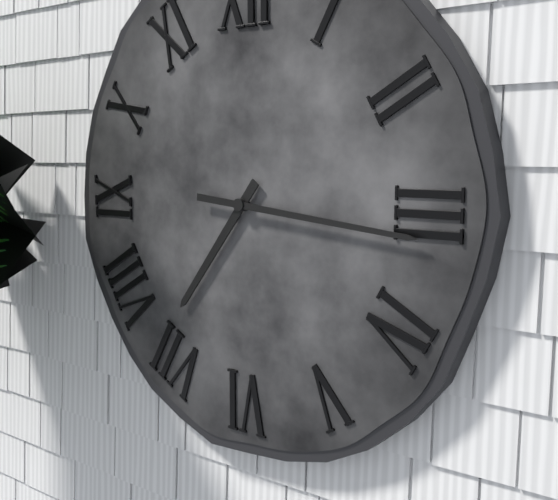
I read **7:16**
